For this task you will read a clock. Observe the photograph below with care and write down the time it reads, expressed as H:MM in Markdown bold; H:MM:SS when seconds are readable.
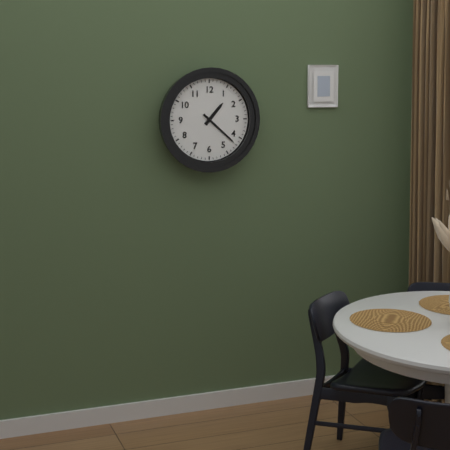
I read **1:22**
